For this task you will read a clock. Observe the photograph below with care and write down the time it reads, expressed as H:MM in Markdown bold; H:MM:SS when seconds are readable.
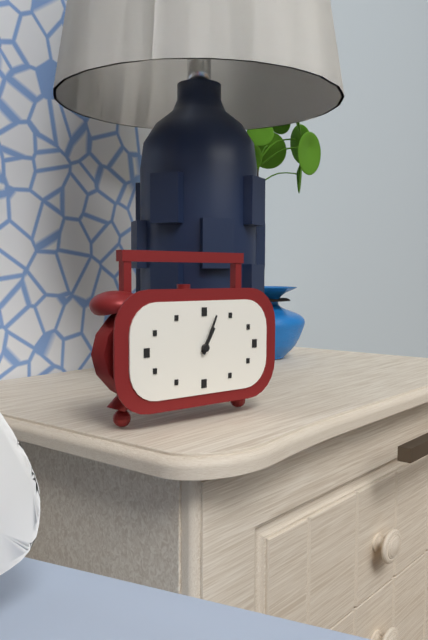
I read **1:04**
